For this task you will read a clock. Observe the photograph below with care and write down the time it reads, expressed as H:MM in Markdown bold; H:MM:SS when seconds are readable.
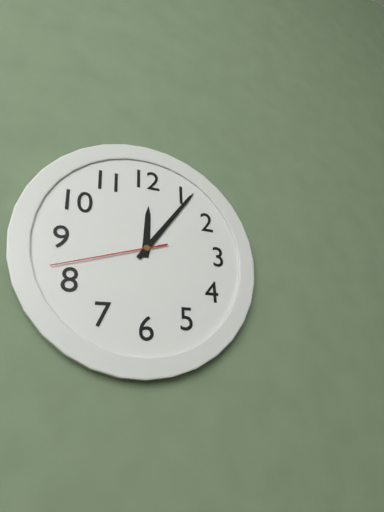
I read **12:06:42**
